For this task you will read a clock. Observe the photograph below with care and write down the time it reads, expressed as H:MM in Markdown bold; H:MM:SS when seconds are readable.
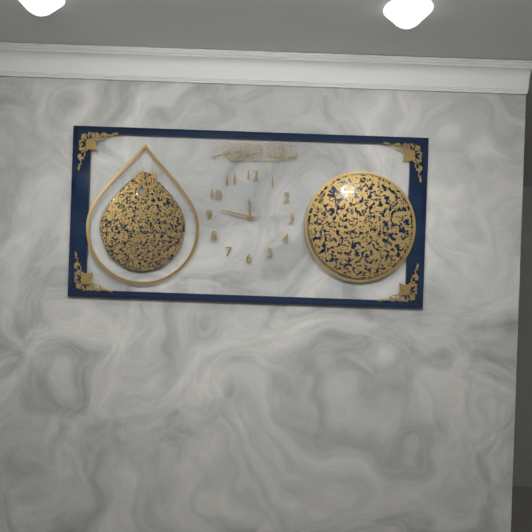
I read **11:47**
